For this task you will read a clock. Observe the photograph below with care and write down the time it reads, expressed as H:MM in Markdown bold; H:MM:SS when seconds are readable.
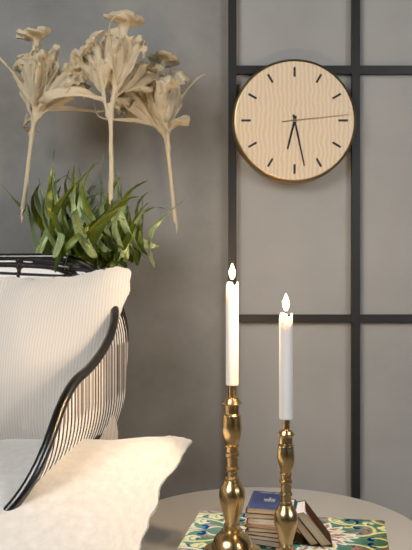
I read **6:28:14**
